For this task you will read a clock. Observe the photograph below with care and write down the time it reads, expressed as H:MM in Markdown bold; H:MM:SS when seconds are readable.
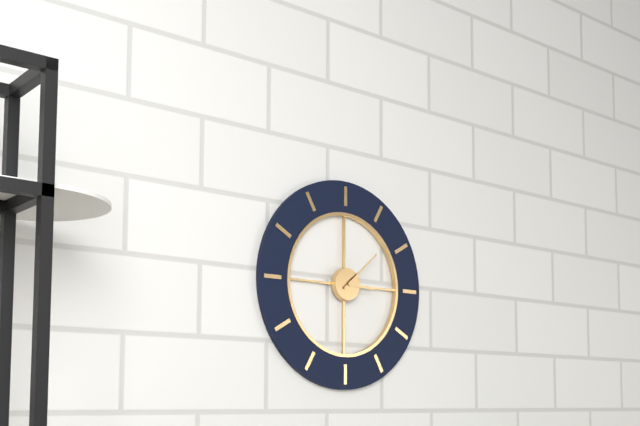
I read **3:08**
